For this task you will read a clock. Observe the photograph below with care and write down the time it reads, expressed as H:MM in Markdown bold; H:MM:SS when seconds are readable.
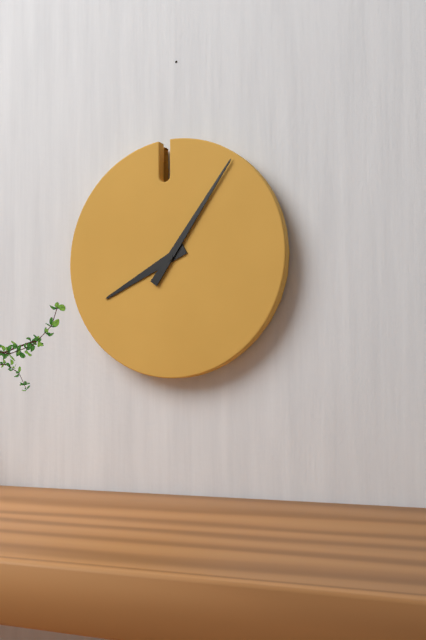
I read **8:06**
